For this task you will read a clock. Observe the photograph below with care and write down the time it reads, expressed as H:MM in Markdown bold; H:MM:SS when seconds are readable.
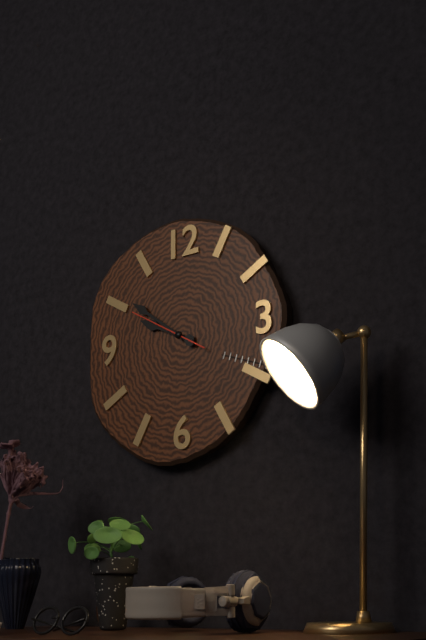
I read **9:51:50**
